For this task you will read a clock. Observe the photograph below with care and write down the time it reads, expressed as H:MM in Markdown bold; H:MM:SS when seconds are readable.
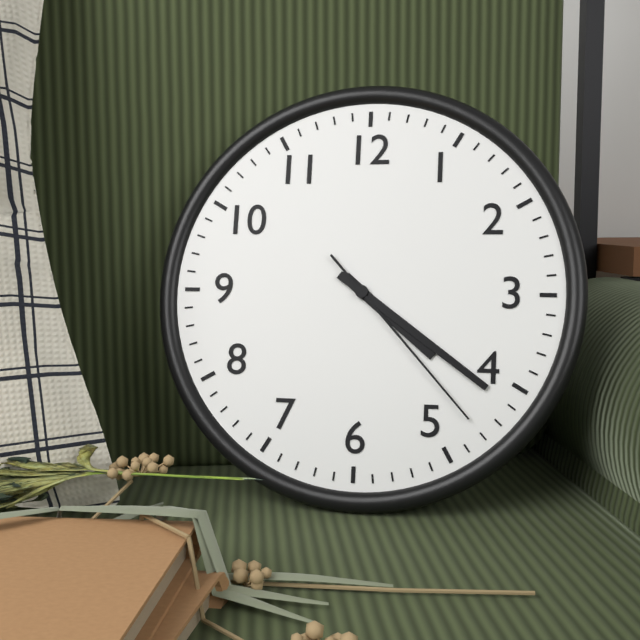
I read **4:21:23**
